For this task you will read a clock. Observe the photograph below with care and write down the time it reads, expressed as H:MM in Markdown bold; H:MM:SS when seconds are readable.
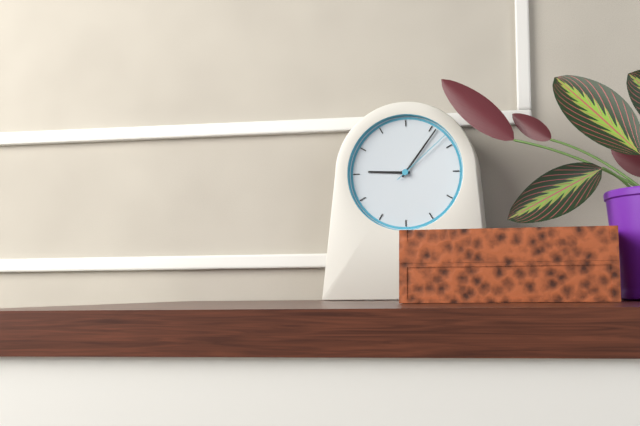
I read **9:06:08**
